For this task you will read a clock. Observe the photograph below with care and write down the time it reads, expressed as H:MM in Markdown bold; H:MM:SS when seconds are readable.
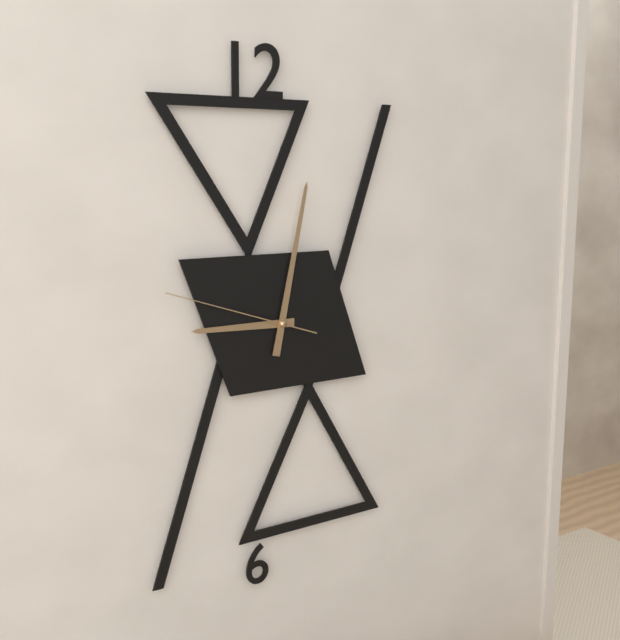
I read **9:02:48**
